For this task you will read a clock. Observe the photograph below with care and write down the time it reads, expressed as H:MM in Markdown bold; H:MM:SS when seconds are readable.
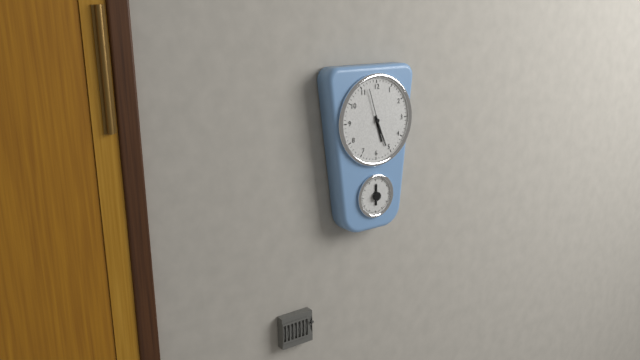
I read **5:26**
